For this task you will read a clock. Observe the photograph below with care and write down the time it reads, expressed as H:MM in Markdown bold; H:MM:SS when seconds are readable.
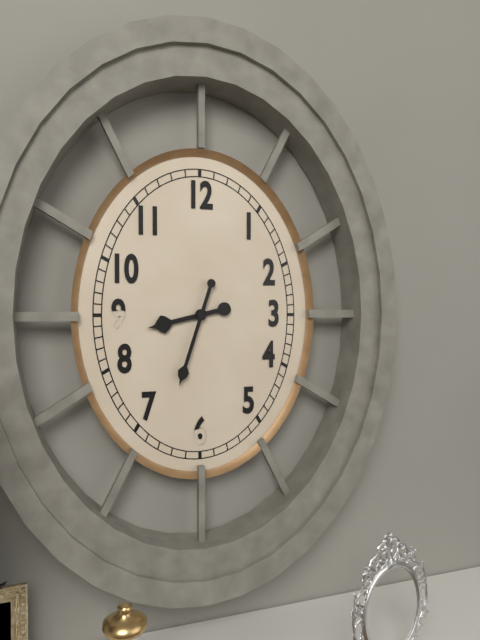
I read **8:33**
